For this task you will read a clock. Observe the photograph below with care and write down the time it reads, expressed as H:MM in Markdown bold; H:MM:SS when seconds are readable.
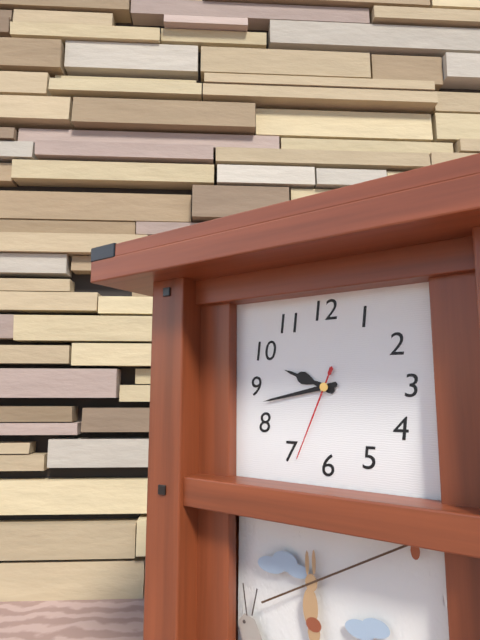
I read **9:43:34**
